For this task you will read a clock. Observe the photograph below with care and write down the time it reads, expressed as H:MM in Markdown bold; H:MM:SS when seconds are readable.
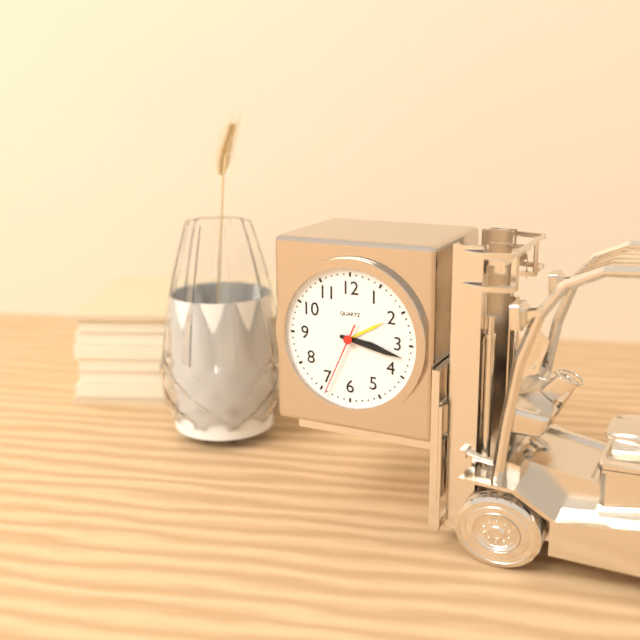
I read **3:17:34**
